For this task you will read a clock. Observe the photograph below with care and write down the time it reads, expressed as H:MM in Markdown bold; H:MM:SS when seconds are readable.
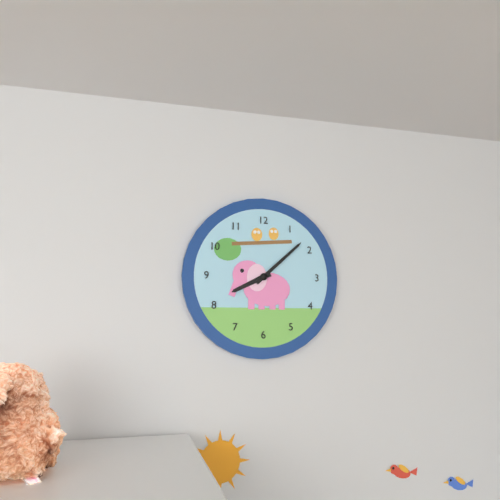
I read **8:08**
